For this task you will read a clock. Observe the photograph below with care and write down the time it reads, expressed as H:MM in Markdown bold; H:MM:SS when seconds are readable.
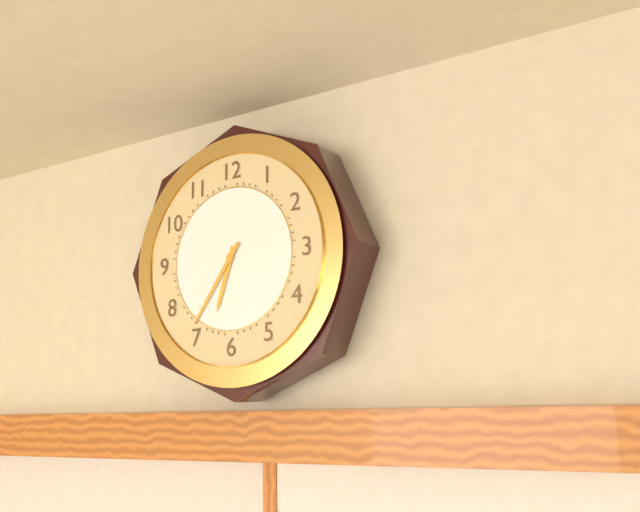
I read **6:36**
